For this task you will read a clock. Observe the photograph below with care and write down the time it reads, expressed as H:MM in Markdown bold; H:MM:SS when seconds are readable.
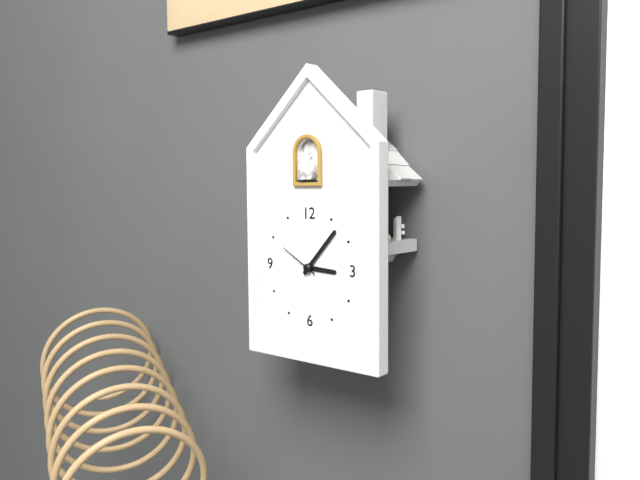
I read **3:07:50**
